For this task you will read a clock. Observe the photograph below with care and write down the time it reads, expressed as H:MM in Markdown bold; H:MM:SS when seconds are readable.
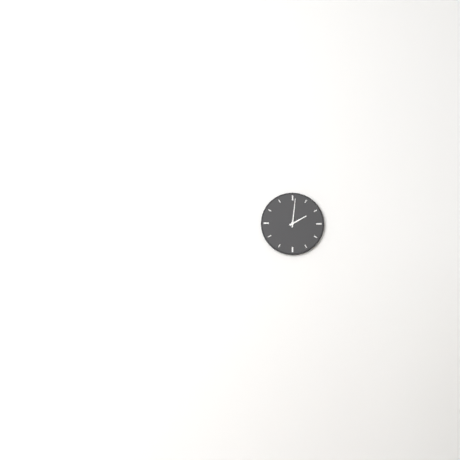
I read **2:01**
